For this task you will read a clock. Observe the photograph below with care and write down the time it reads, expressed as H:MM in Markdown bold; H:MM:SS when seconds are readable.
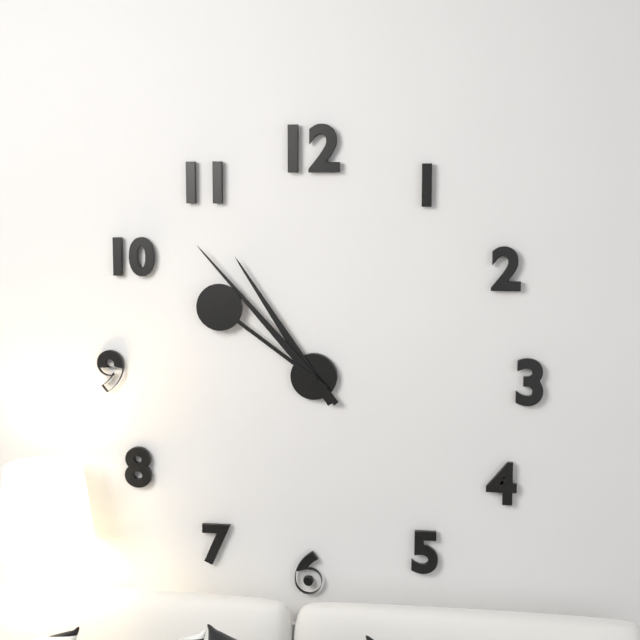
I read **10:53:51**
